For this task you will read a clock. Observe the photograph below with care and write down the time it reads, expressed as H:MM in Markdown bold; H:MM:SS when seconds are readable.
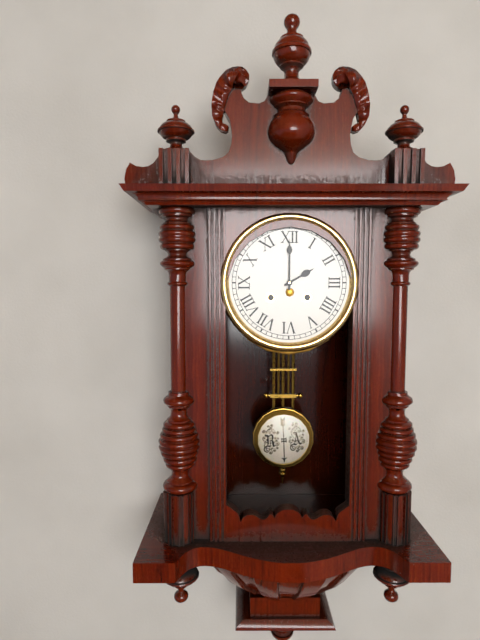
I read **2:00**
